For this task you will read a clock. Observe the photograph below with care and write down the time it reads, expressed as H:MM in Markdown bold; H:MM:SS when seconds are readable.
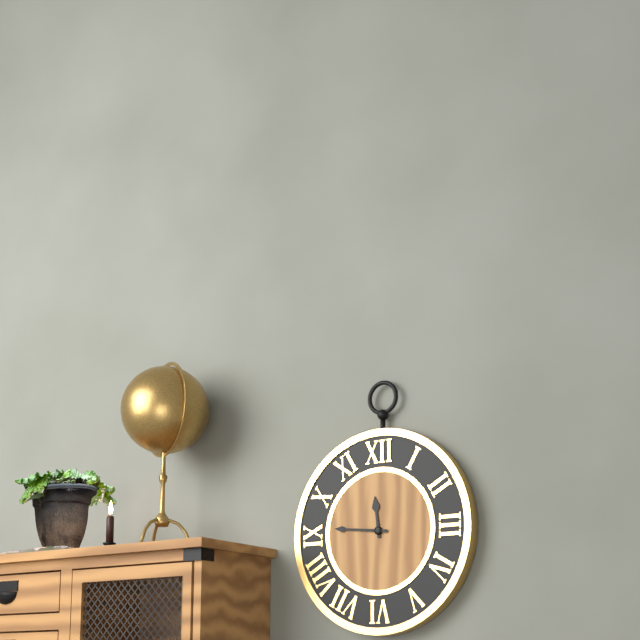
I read **11:46**
